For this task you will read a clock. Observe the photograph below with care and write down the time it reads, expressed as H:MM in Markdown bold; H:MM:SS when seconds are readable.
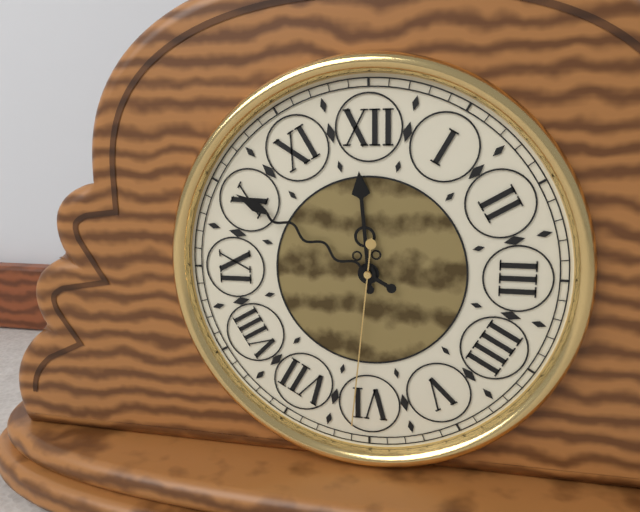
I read **11:50:31**
